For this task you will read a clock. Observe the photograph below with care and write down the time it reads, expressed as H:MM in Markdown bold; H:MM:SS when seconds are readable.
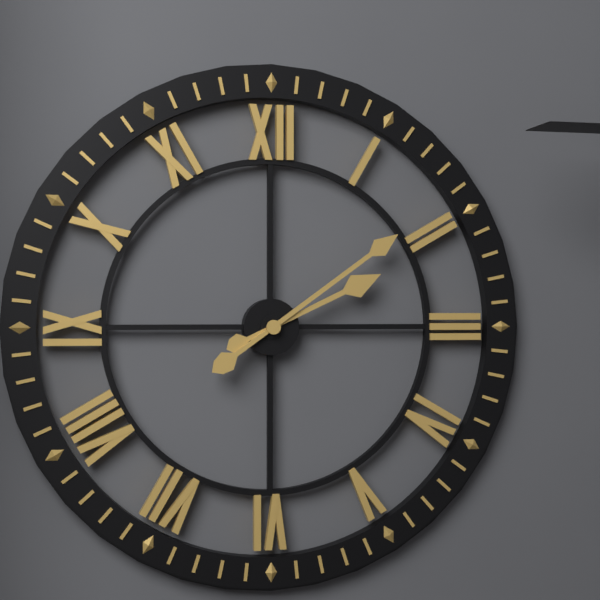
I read **2:09**
